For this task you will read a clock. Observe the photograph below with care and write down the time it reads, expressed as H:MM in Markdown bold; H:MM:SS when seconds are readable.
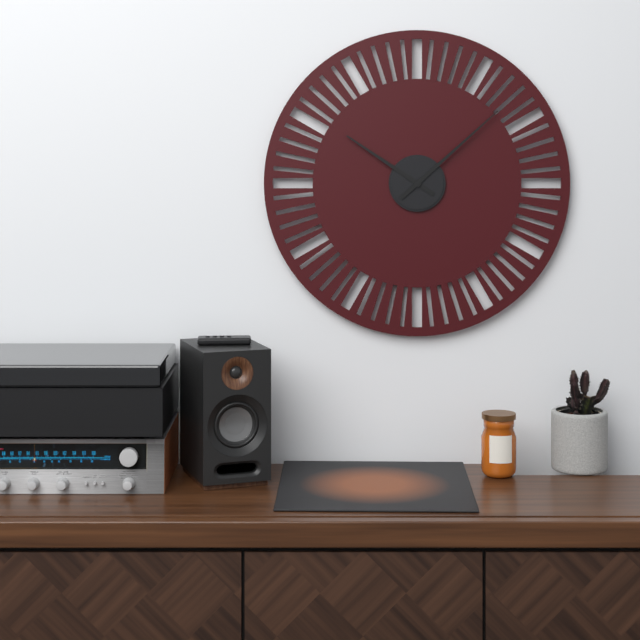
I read **10:08**
